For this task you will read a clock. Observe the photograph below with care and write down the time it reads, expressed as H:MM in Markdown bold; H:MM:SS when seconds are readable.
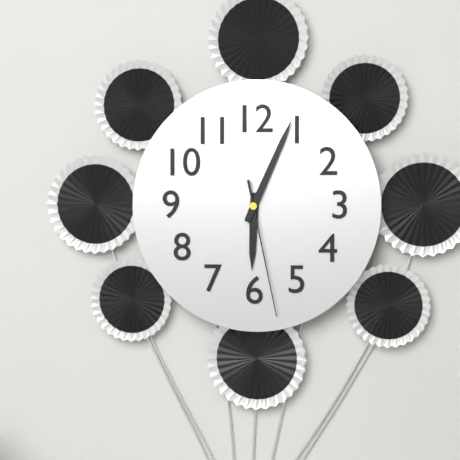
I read **6:04:28**
